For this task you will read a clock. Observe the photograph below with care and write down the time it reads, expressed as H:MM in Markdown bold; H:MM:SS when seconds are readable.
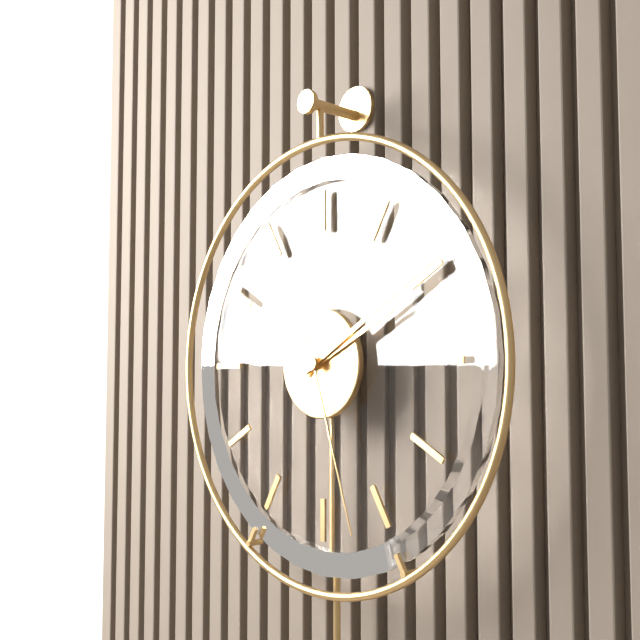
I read **2:10:27**
